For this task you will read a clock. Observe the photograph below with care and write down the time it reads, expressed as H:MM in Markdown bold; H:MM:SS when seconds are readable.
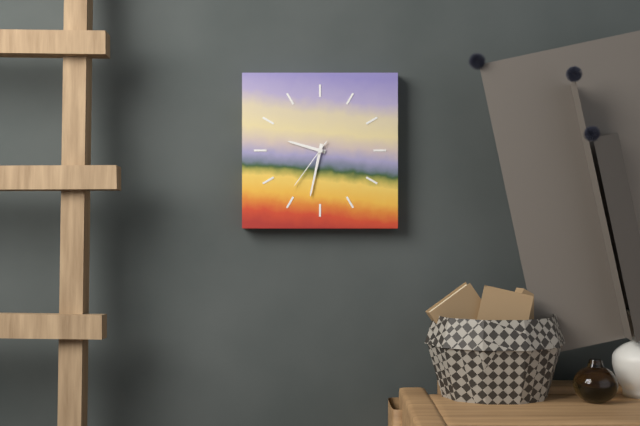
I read **9:32:36**
